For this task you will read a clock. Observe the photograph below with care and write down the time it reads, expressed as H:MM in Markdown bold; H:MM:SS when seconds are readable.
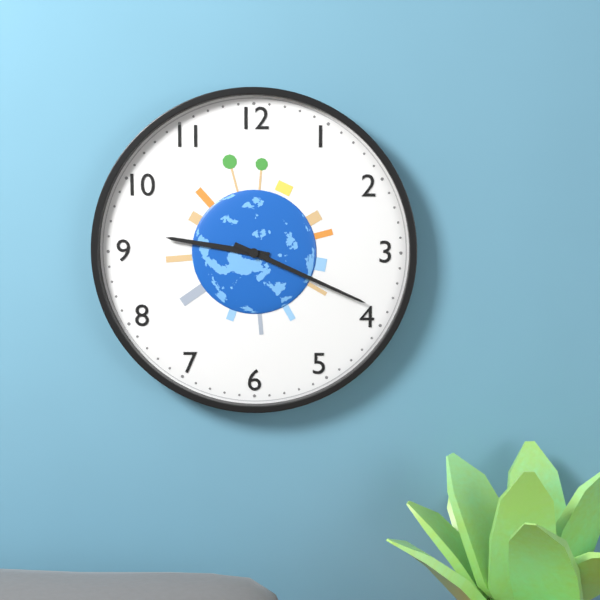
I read **9:19**
